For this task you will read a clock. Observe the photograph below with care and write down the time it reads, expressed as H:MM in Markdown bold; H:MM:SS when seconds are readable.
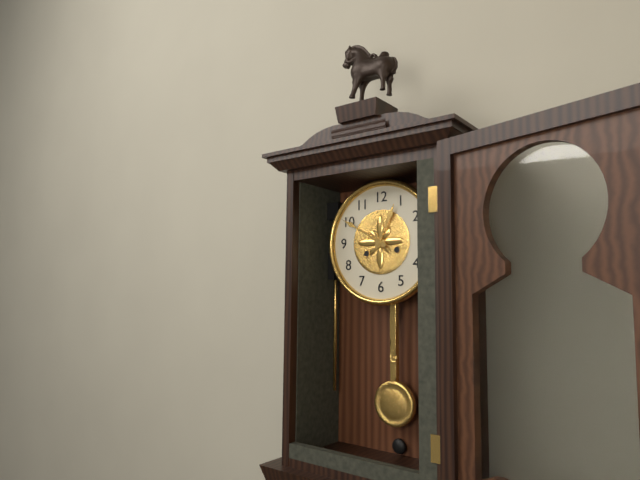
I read **12:50**
